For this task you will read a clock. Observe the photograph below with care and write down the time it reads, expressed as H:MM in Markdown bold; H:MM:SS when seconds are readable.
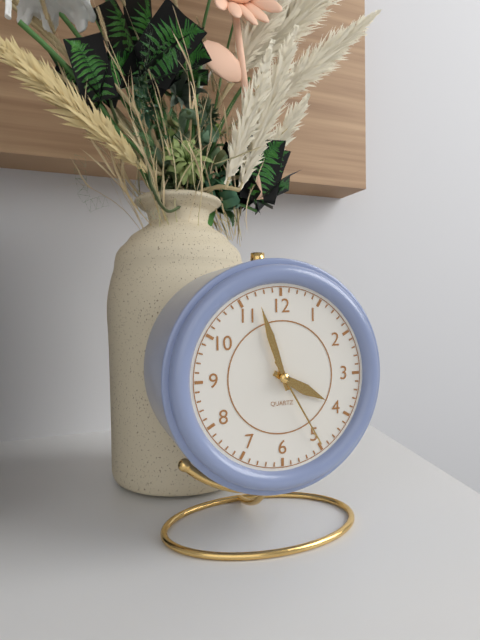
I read **3:57:25**
